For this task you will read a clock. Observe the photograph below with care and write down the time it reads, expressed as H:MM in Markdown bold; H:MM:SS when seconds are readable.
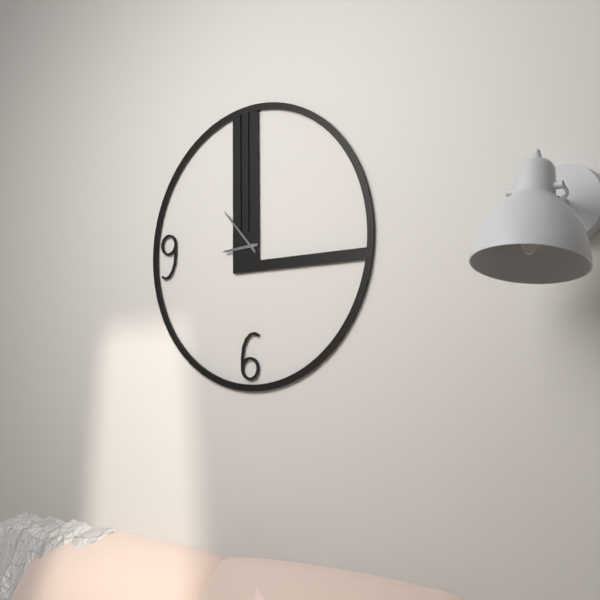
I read **8:53**
